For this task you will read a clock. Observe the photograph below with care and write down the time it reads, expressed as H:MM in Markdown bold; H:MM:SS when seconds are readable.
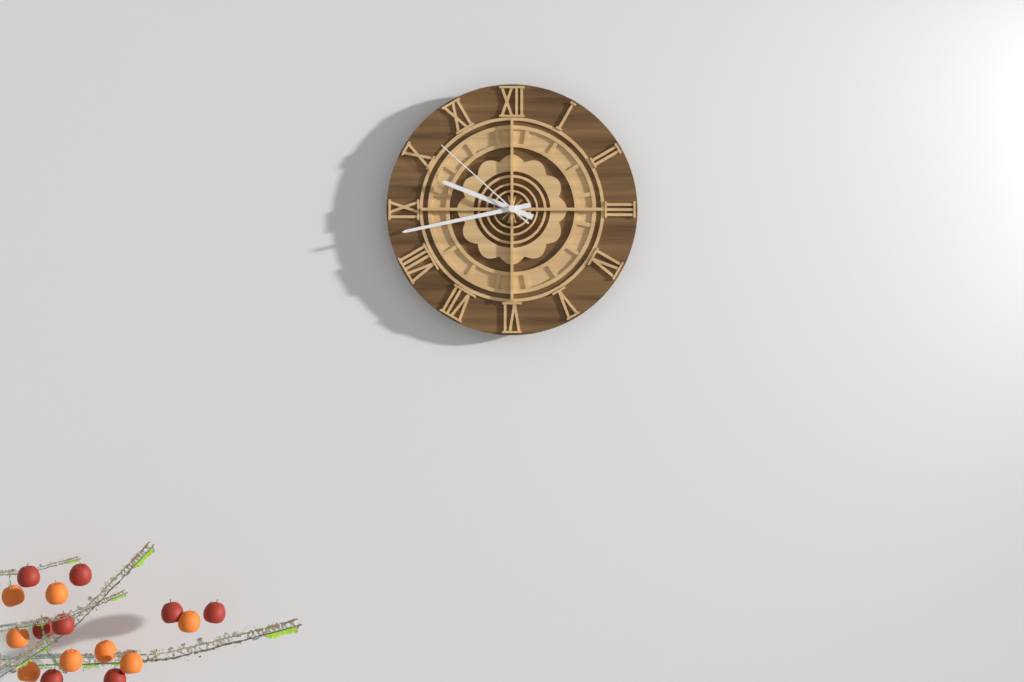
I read **9:43:52**
